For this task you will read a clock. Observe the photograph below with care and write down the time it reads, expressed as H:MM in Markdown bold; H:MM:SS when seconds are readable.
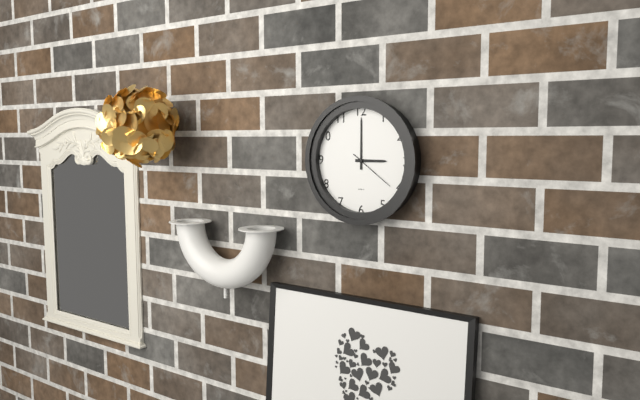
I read **3:00**
